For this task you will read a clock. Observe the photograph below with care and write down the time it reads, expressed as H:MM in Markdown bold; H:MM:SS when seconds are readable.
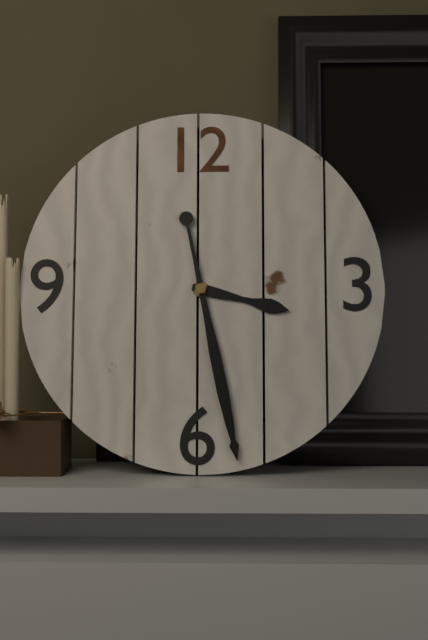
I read **3:28**
